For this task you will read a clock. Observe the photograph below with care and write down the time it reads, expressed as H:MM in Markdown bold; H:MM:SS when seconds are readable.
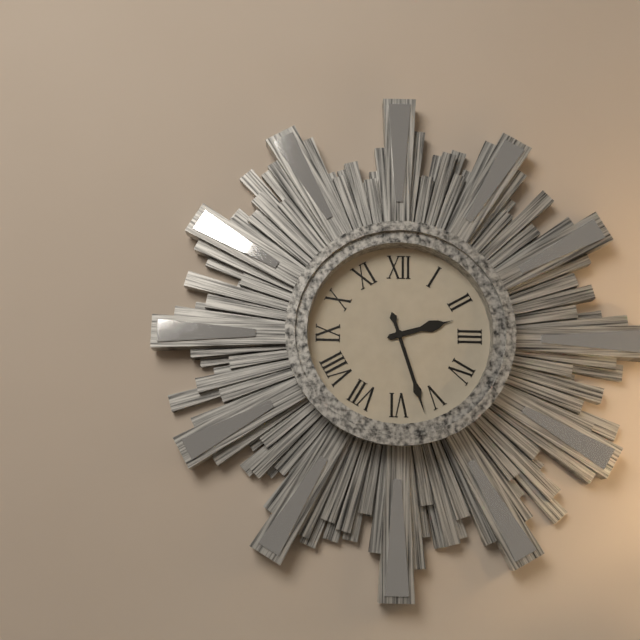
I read **2:27**
